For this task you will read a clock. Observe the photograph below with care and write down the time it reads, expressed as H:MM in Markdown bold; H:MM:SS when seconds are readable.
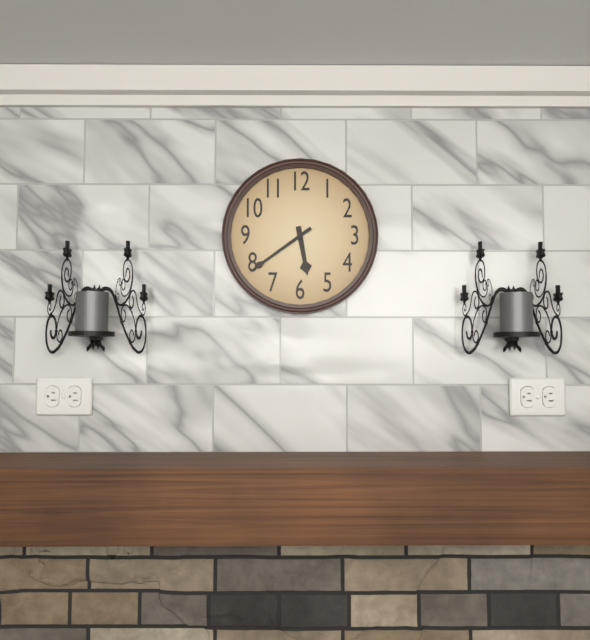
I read **5:39**
